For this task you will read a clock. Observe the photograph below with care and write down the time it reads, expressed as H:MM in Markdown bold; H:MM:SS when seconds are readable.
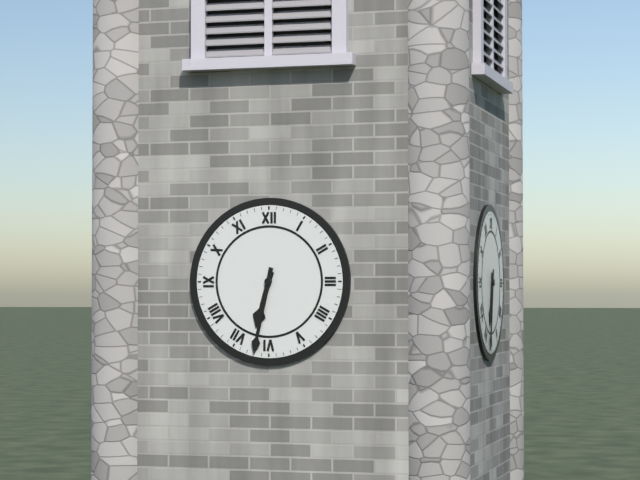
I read **6:32**
